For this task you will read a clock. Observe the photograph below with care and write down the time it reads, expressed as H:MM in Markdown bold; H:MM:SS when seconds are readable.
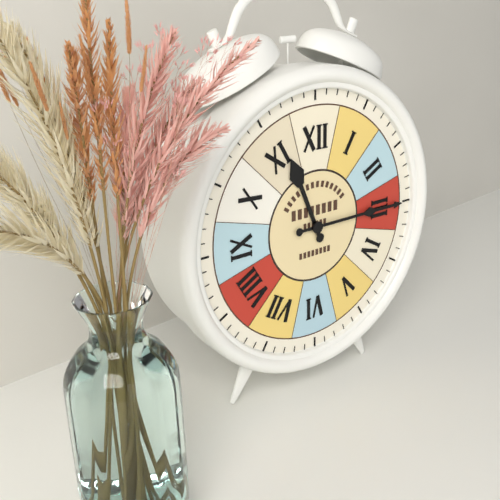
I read **11:15**
